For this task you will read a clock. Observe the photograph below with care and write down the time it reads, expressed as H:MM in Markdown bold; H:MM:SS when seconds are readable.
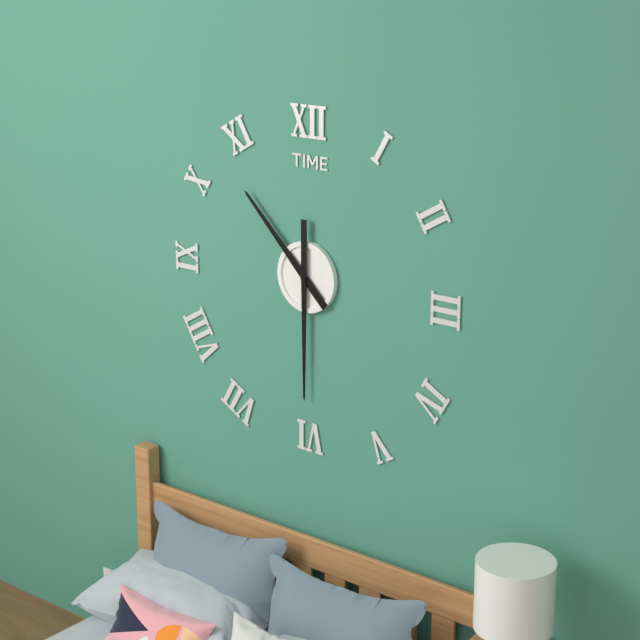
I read **10:30**
